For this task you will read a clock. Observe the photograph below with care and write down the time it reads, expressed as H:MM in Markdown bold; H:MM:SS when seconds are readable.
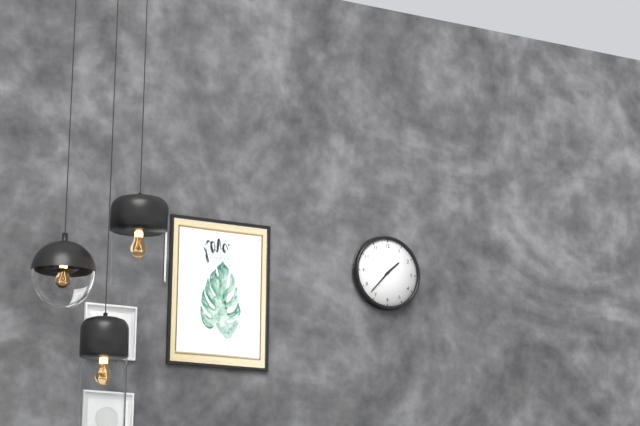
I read **1:37**
